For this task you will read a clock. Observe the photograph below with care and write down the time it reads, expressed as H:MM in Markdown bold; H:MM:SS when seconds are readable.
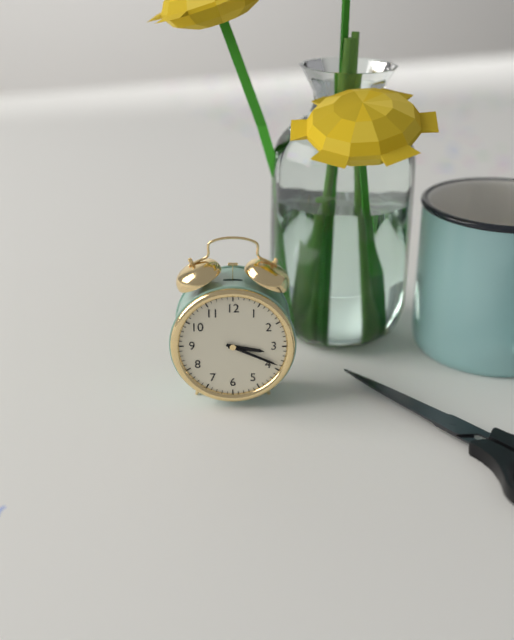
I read **3:19**
